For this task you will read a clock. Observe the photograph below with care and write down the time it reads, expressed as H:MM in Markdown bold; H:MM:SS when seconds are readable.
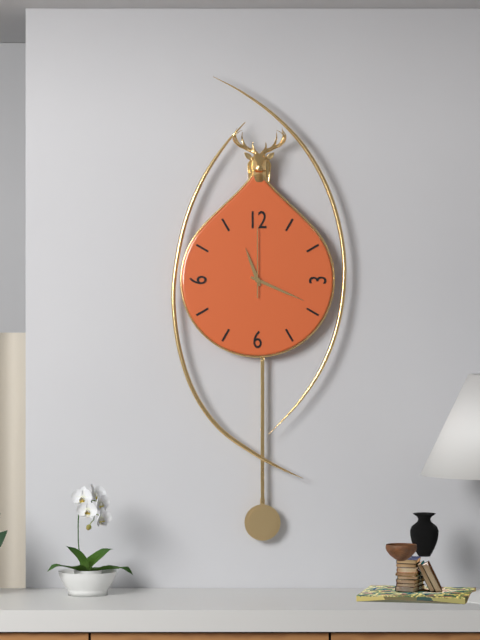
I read **11:19:00**
